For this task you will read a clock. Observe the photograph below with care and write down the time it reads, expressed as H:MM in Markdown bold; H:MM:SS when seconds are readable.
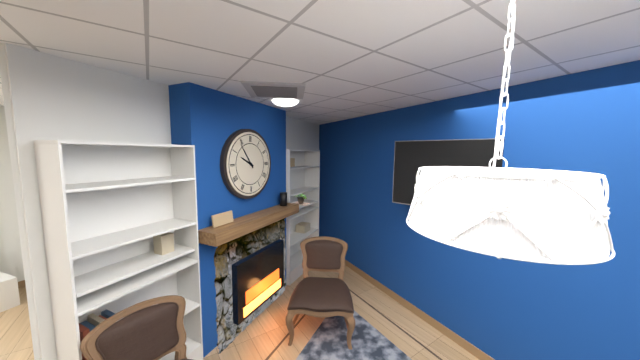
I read **9:54**
